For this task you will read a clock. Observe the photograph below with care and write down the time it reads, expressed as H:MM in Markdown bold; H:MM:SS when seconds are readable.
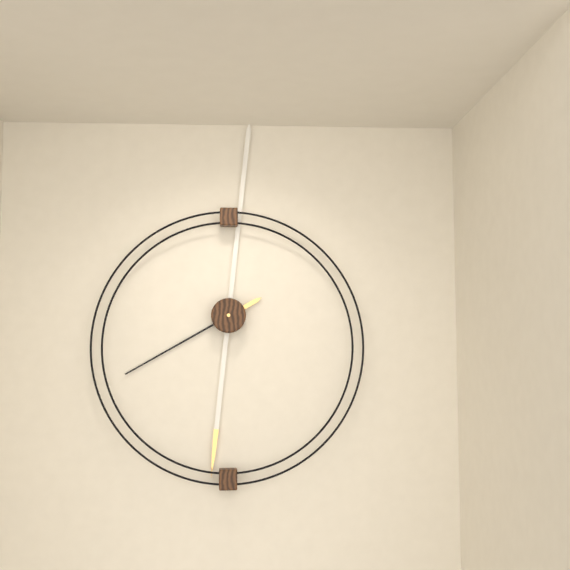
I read **8:01**
